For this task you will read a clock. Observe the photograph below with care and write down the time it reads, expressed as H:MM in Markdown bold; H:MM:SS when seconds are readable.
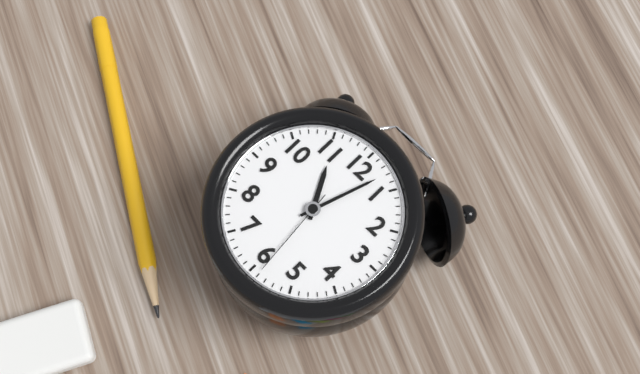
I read **11:03:29**
